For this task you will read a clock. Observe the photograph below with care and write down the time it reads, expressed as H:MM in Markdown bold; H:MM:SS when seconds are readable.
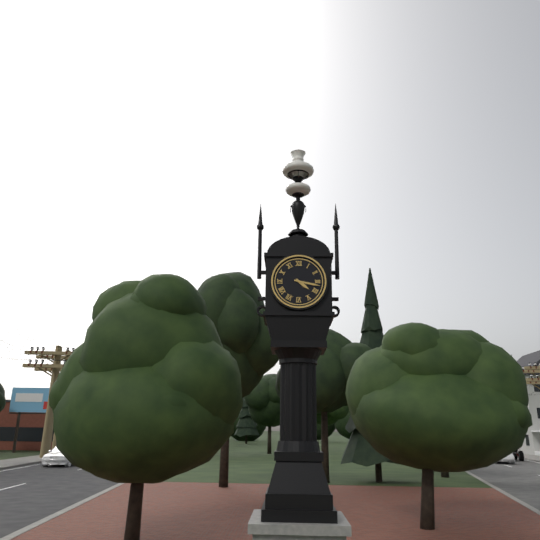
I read **4:17**
